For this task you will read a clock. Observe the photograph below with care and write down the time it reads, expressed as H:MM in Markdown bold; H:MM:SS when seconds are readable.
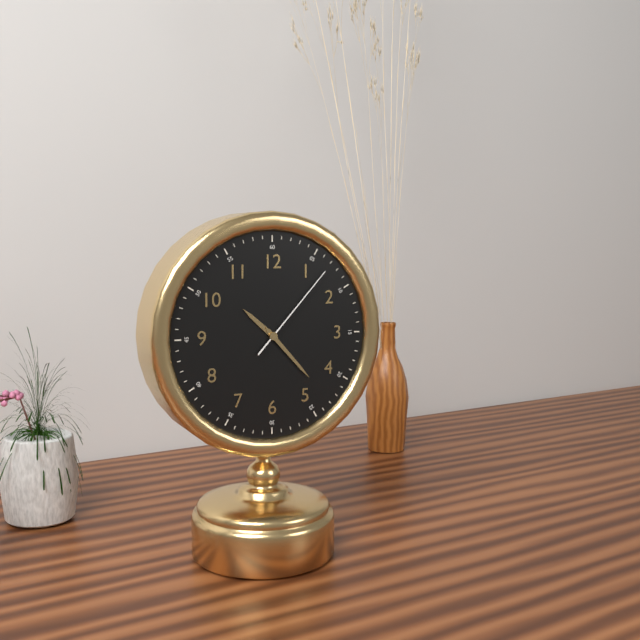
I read **10:23:07**
